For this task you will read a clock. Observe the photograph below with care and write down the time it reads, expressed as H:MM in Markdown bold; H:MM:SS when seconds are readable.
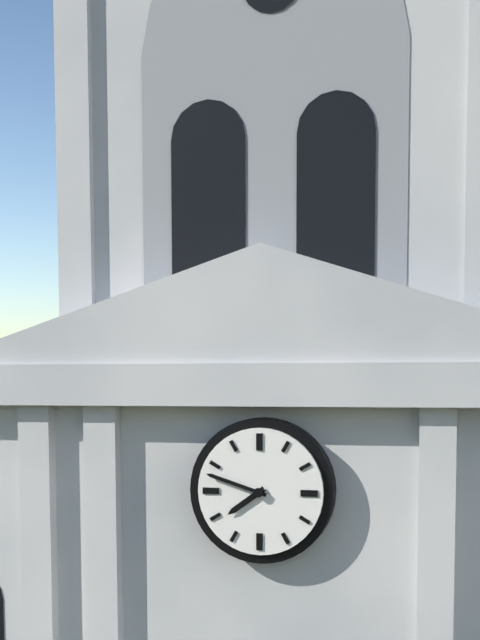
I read **7:48**
